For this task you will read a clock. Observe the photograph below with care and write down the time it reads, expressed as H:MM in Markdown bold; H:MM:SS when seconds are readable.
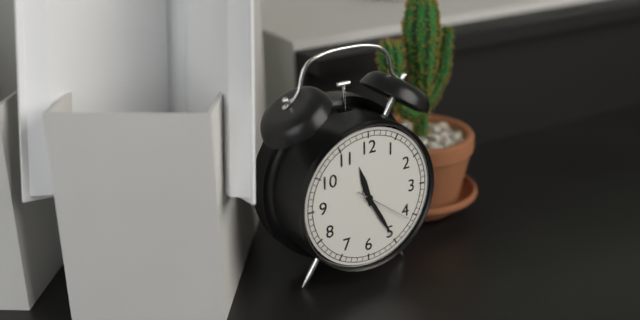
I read **11:25:21**
